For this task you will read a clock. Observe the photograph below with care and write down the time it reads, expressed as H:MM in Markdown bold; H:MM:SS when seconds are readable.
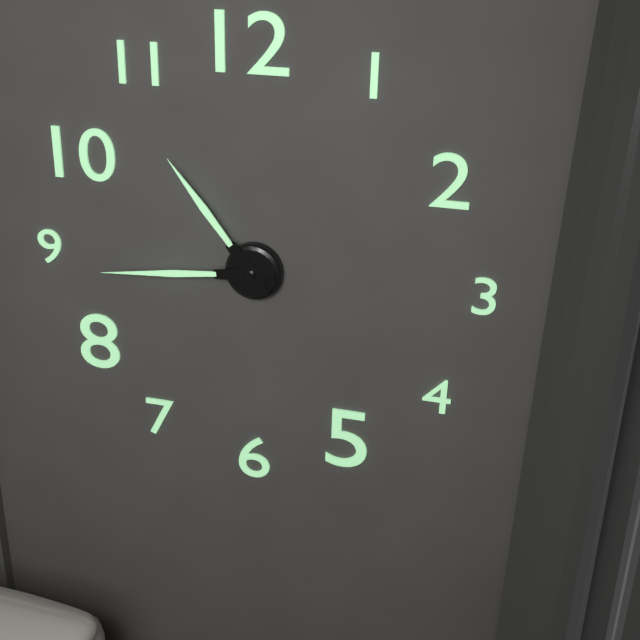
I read **10:44**
